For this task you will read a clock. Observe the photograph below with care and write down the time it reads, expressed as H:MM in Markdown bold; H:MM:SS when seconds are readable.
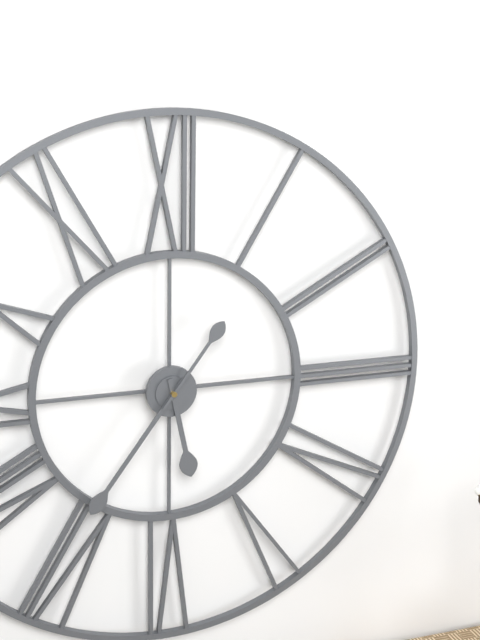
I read **5:36:06**
